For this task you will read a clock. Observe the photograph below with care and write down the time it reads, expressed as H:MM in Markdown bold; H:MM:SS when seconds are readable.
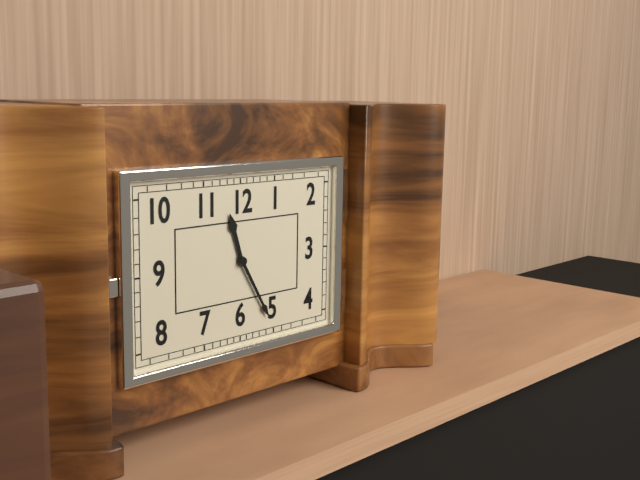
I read **11:25**
